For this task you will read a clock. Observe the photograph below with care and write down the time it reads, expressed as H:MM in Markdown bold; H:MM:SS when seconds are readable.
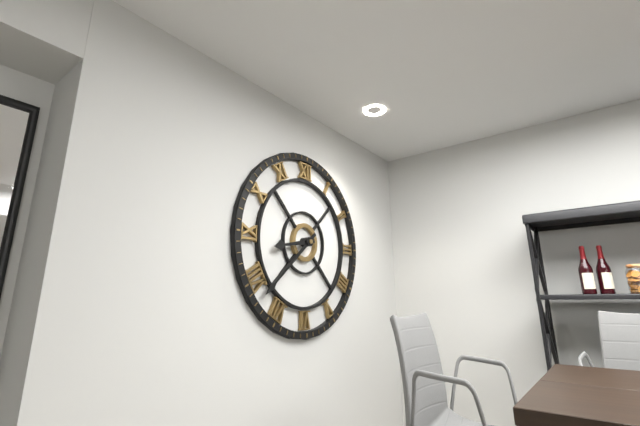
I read **8:38**
